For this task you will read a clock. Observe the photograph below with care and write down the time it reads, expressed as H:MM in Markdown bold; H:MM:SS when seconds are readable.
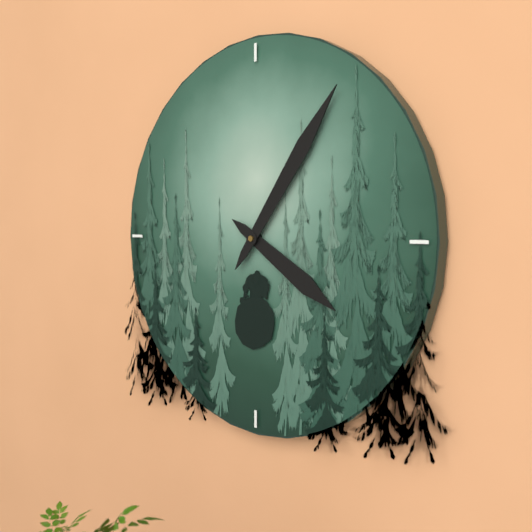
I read **4:06**
